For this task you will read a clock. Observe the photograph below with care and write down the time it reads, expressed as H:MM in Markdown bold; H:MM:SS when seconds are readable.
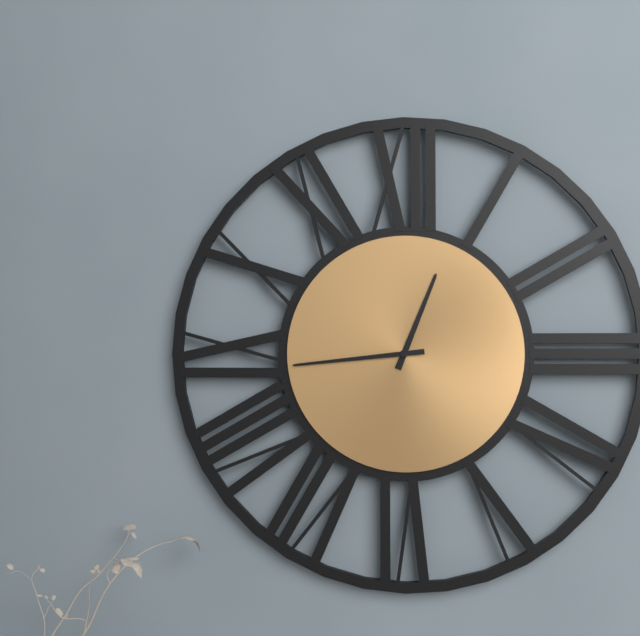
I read **12:44**
